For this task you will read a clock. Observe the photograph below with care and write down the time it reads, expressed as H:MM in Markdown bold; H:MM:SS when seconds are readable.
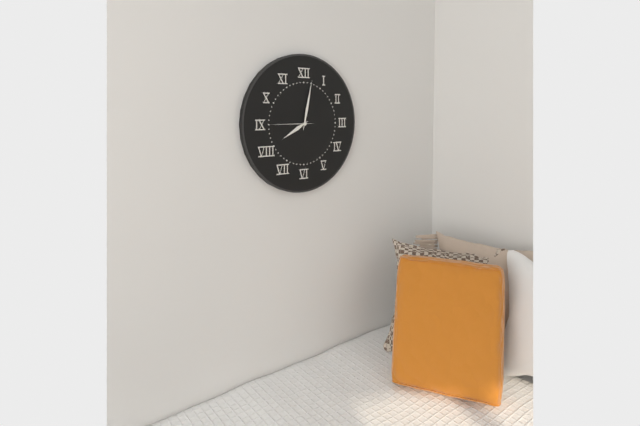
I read **8:02**
